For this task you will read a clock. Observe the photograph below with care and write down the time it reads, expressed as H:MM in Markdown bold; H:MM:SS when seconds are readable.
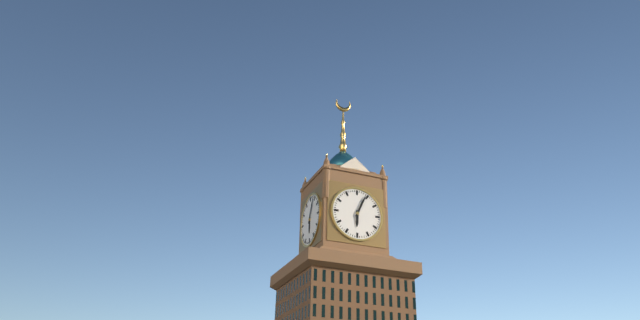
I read **6:04**
